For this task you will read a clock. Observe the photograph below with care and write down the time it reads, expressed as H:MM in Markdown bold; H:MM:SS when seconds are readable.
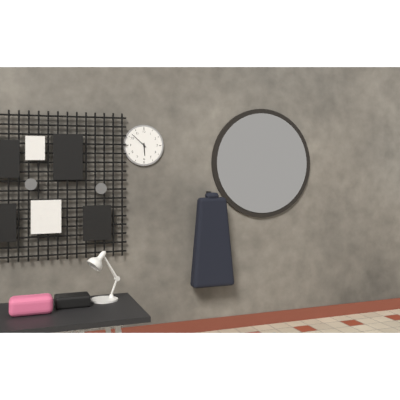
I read **5:52**
